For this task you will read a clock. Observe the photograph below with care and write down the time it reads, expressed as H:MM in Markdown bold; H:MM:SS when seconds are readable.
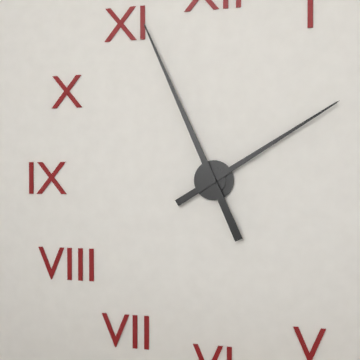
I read **1:56**
